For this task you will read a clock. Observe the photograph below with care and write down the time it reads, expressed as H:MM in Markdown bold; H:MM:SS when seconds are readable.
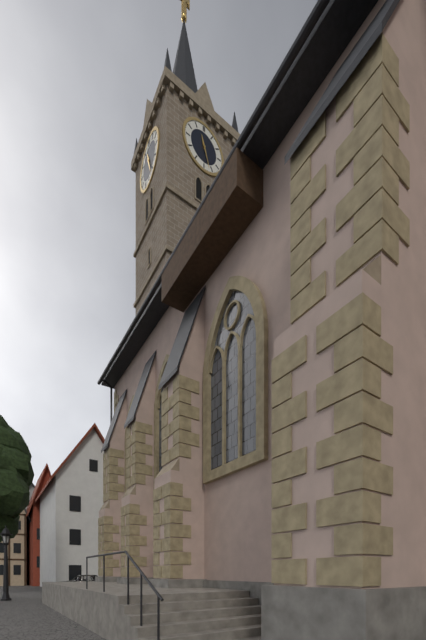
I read **11:27**
